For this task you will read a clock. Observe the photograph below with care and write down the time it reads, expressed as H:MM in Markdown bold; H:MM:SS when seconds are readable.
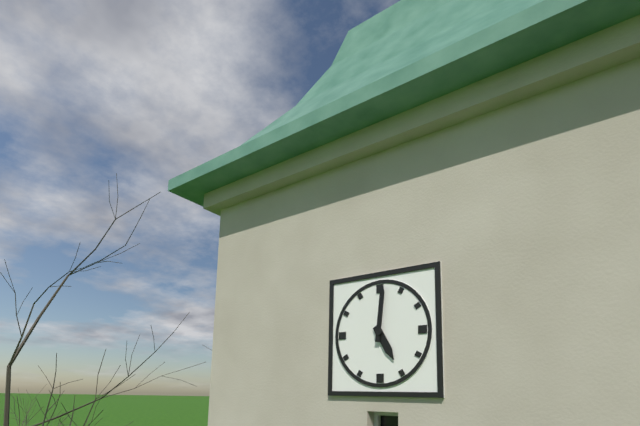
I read **5:01**
